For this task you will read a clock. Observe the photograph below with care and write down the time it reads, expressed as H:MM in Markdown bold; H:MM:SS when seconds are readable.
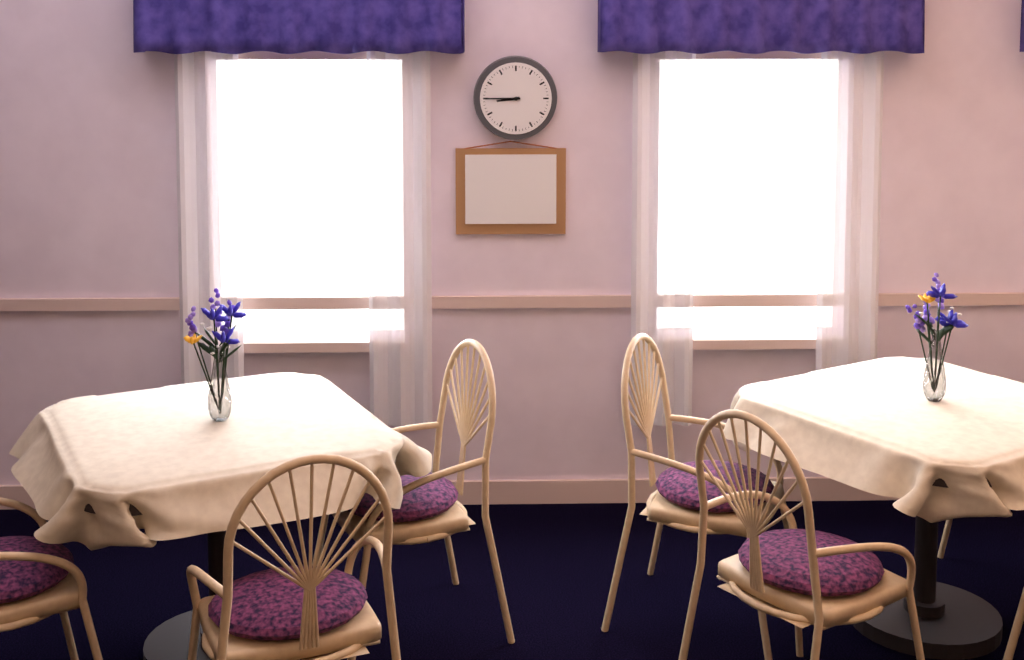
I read **8:45**
